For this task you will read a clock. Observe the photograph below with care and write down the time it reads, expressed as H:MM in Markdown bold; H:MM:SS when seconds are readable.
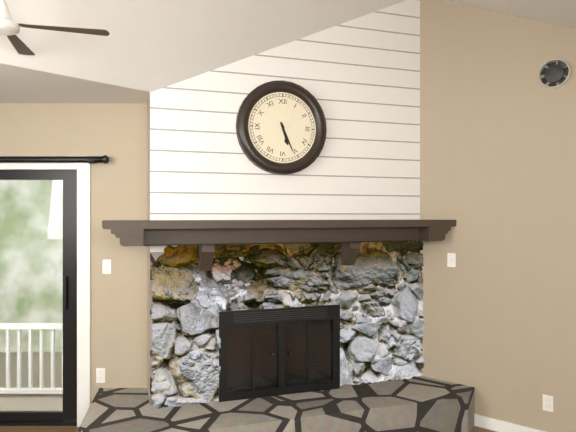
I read **5:26**
